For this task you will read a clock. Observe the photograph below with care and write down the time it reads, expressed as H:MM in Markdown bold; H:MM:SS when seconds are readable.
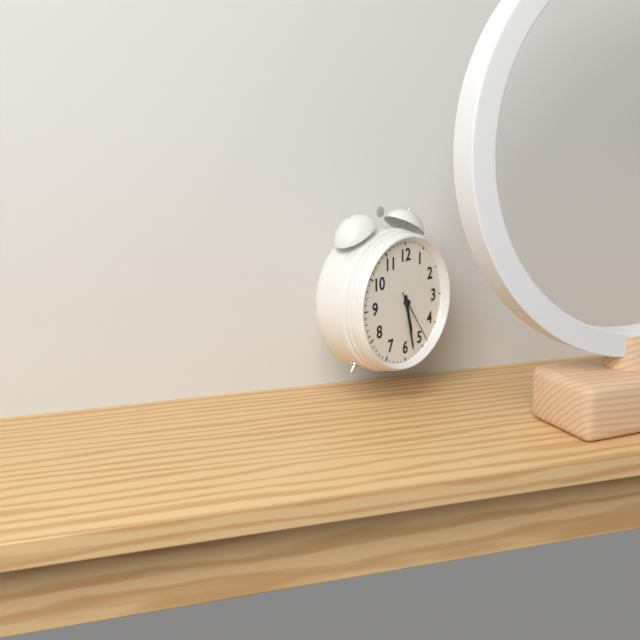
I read **5:28:24**
